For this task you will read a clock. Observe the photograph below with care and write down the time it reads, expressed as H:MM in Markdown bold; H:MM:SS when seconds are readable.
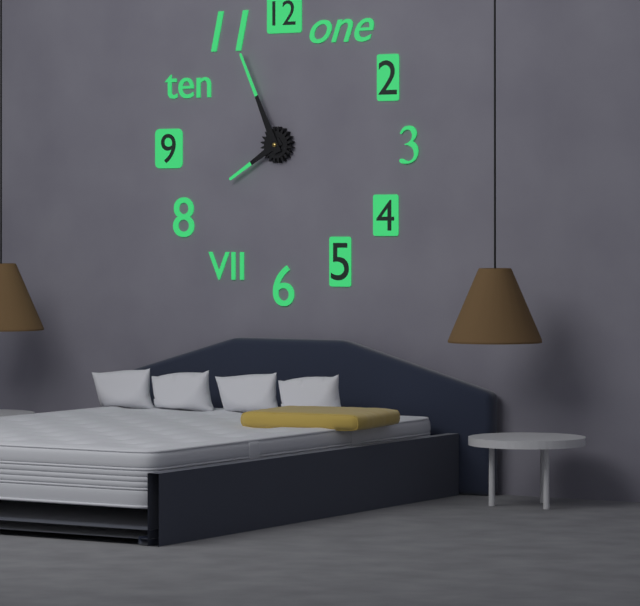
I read **7:56**
